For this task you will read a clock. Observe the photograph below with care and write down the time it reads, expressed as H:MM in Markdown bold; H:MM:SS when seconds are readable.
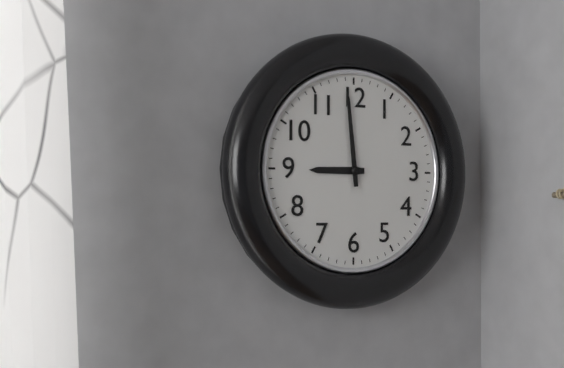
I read **8:59**
